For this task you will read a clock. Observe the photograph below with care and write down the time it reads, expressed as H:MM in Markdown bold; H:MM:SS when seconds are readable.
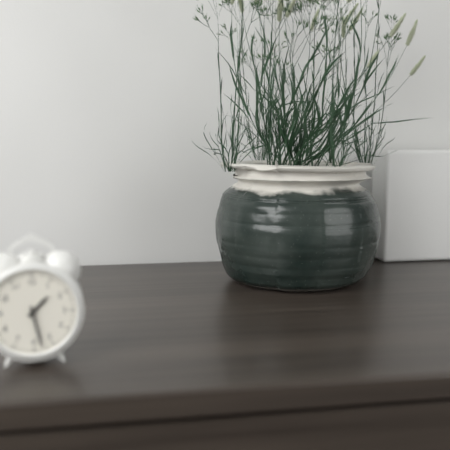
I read **1:28**
